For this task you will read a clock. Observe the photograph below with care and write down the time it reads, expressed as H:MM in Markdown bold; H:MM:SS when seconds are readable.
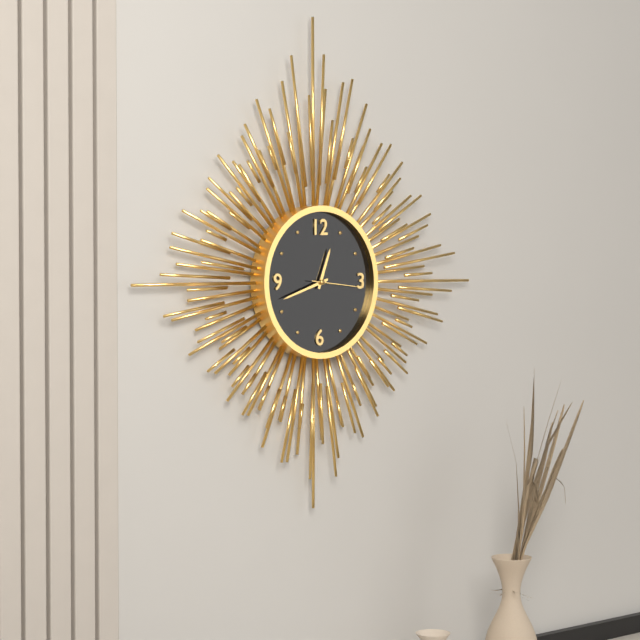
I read **12:42:16**
